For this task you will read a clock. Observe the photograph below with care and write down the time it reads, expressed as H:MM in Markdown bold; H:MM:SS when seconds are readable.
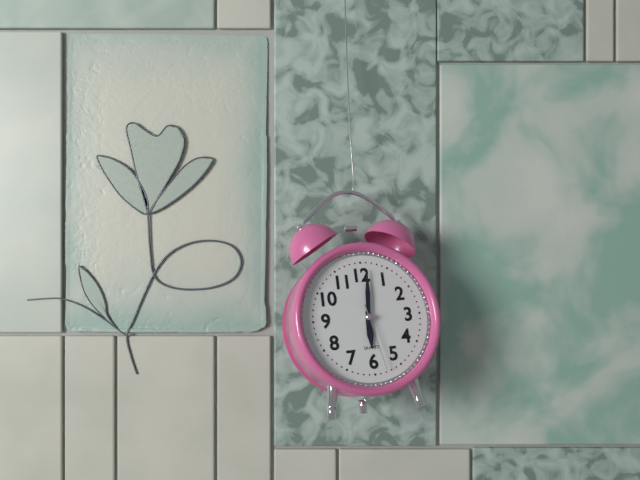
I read **6:01:28**
